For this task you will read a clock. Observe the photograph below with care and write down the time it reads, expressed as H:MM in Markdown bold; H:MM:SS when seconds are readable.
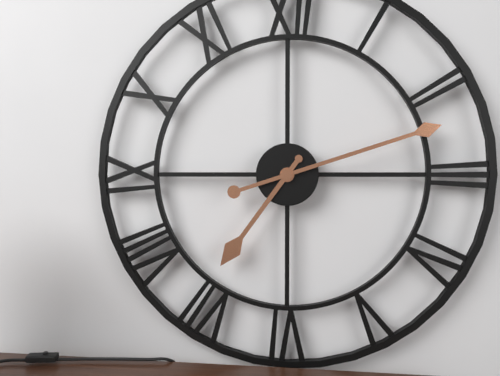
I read **7:12**
